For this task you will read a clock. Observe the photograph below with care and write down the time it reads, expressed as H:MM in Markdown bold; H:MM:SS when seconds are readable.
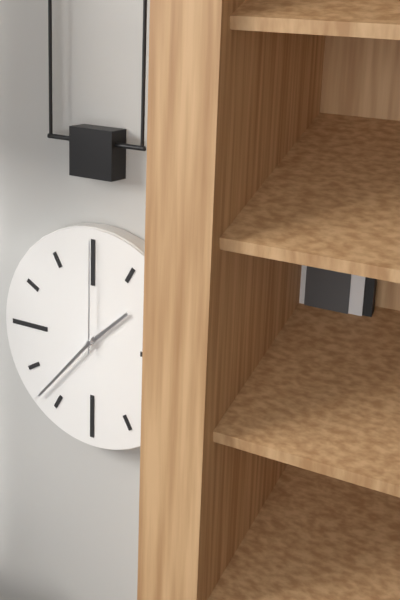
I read **1:37:00**
